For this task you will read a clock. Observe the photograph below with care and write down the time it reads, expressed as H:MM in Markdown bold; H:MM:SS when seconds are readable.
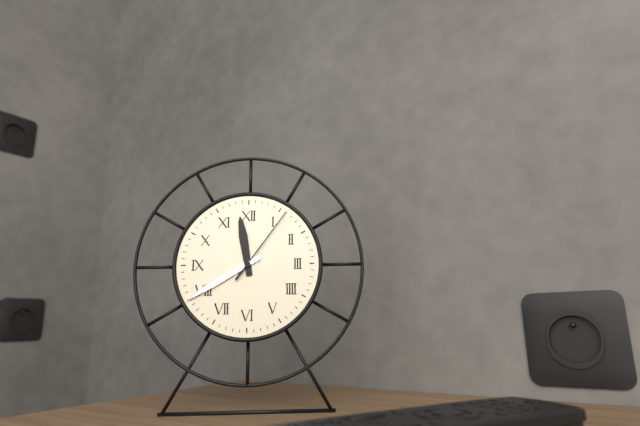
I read **11:40:06**
